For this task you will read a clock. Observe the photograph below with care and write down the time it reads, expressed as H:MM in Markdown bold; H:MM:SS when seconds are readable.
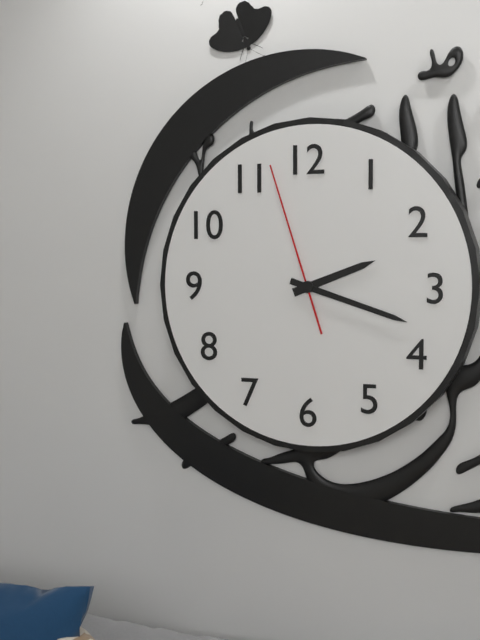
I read **2:18:57**
